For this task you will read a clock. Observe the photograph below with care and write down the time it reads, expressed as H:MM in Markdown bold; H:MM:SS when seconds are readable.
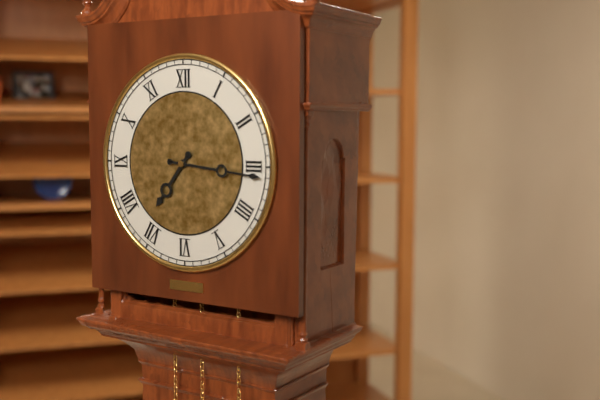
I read **7:16**
